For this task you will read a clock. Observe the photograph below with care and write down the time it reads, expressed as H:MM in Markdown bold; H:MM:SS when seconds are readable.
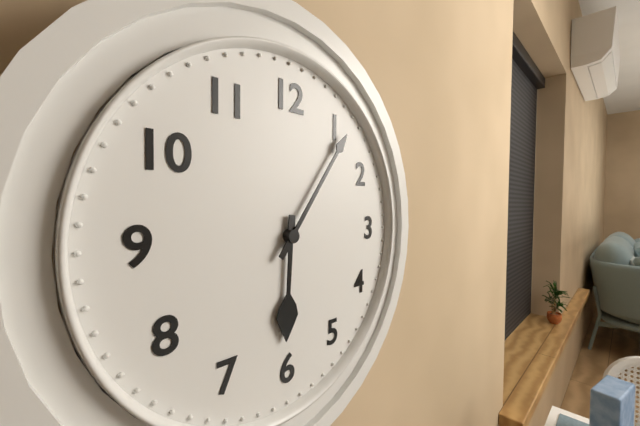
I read **6:06**
